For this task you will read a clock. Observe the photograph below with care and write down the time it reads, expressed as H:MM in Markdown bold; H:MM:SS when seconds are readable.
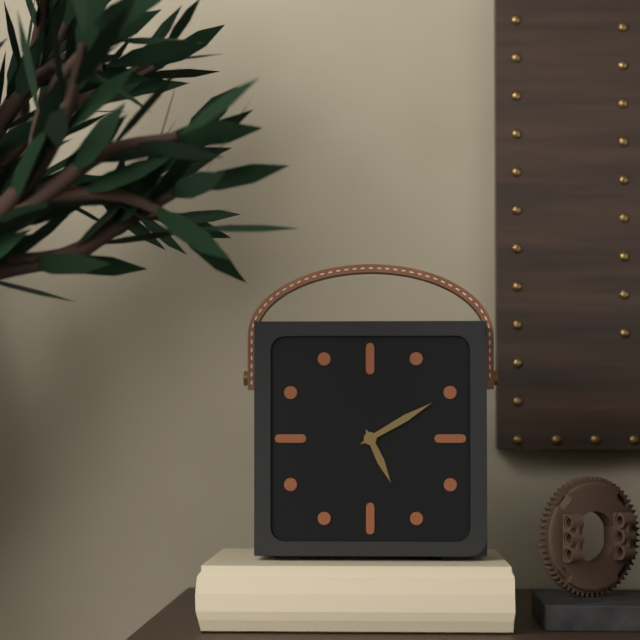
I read **5:10**
